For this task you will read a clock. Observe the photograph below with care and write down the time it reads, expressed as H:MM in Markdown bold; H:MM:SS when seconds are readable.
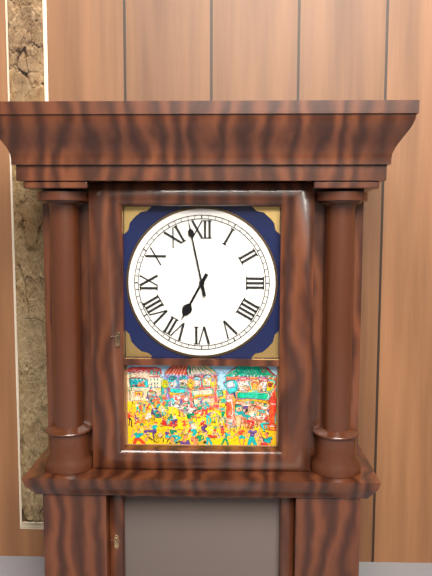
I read **6:58**
